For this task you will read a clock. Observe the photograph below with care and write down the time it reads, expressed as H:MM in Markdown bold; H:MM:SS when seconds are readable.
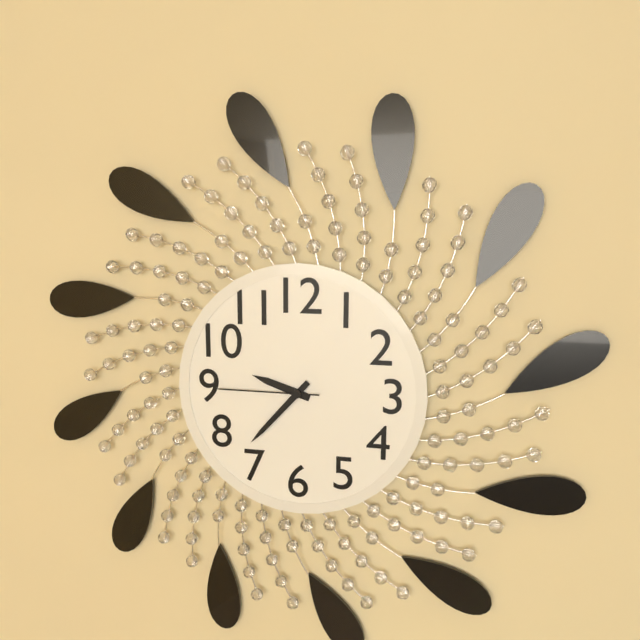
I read **9:37:45**
